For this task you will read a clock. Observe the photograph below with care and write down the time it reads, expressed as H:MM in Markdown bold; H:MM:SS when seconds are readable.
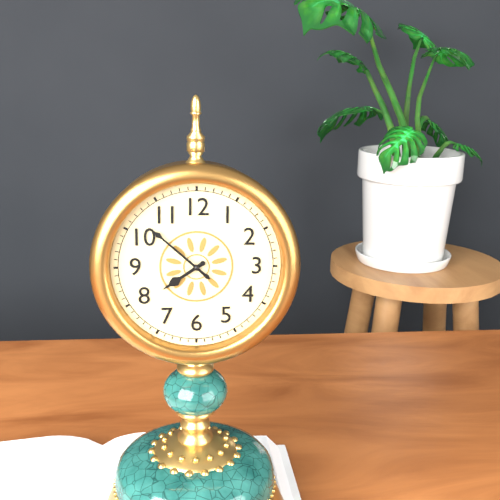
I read **7:52**
